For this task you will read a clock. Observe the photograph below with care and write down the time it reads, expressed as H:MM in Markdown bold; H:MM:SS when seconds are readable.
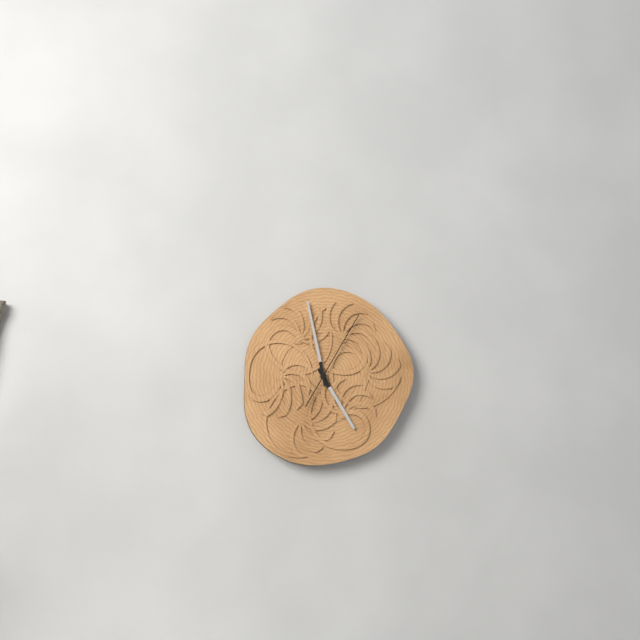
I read **4:58:05**
